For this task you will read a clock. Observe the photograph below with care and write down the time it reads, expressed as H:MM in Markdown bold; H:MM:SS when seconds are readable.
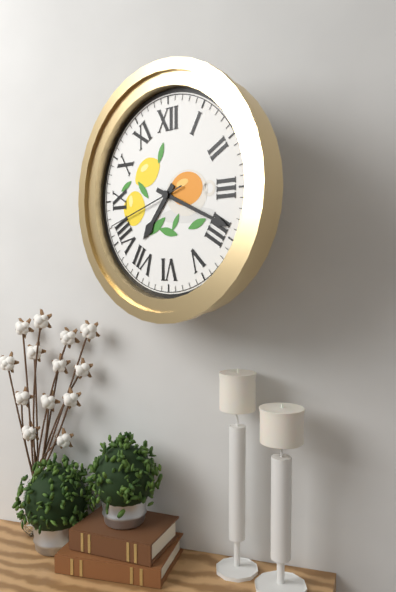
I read **7:19:42**
